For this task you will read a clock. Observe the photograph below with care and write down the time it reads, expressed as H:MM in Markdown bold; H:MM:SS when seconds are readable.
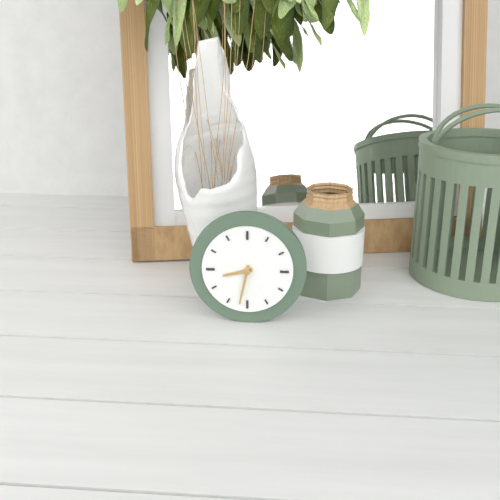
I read **8:32**
